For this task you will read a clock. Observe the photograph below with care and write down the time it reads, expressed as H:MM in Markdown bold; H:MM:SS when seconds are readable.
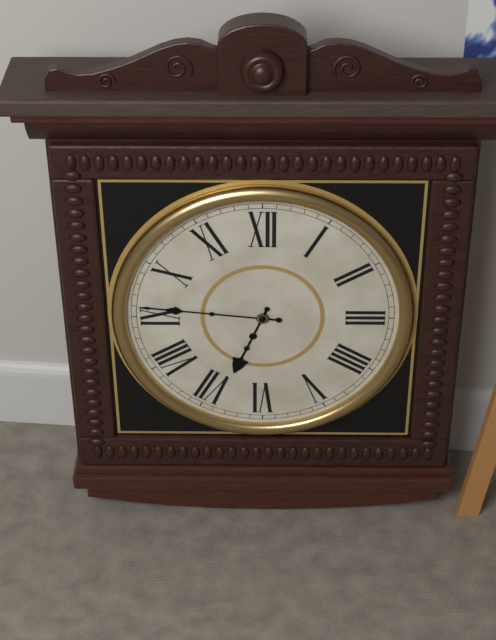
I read **6:46**
